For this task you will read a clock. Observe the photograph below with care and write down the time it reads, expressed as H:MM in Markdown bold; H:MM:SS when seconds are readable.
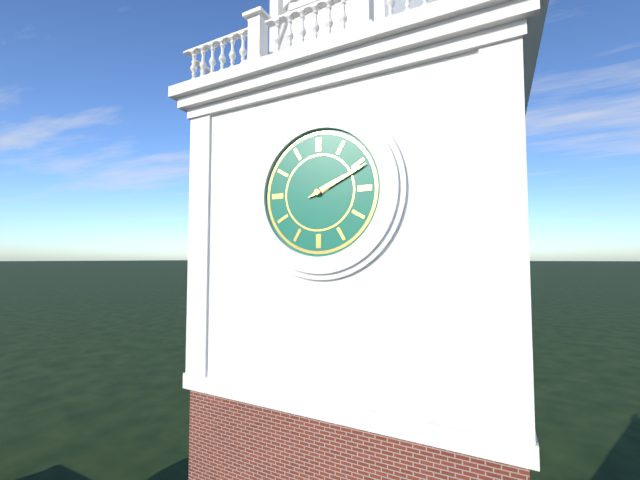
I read **2:11**
